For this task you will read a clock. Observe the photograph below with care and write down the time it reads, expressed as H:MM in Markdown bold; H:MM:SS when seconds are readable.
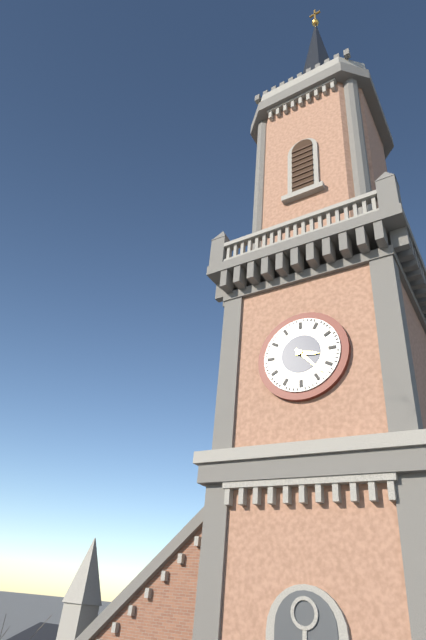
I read **3:23**
